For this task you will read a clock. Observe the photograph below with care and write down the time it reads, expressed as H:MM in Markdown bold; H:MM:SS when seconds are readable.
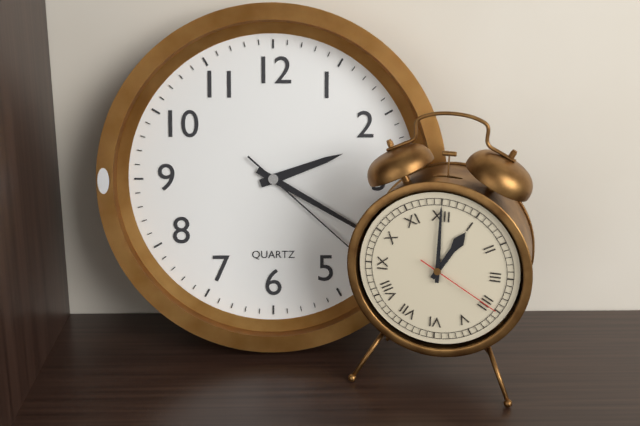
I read **2:20:22**
